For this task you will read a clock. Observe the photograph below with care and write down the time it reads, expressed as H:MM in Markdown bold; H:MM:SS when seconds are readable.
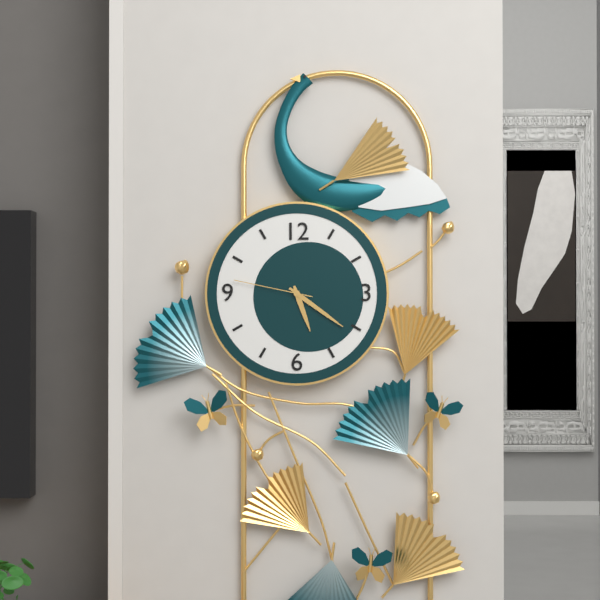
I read **5:21:47**
